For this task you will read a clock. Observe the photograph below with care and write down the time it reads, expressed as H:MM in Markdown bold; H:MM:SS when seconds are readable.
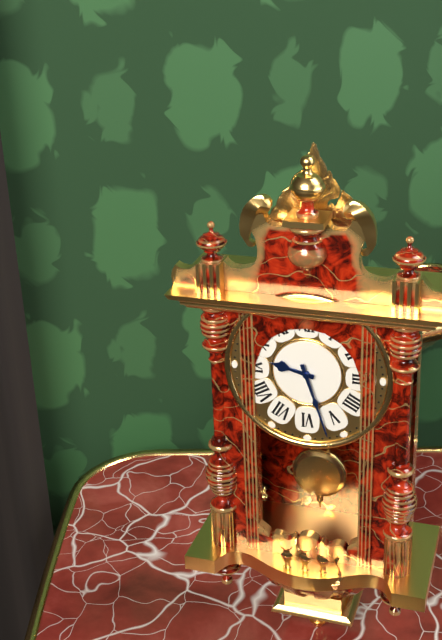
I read **9:27**
